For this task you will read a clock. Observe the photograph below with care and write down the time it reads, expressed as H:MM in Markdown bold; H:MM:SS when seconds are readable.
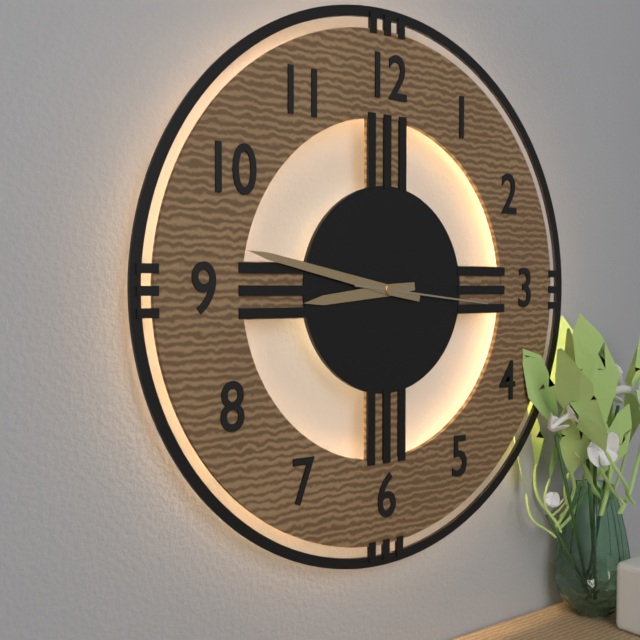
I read **8:47:16**
